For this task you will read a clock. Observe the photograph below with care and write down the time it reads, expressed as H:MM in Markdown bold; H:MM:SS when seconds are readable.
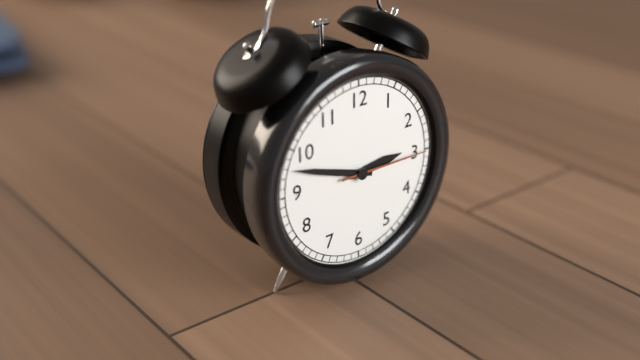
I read **2:48:15**
